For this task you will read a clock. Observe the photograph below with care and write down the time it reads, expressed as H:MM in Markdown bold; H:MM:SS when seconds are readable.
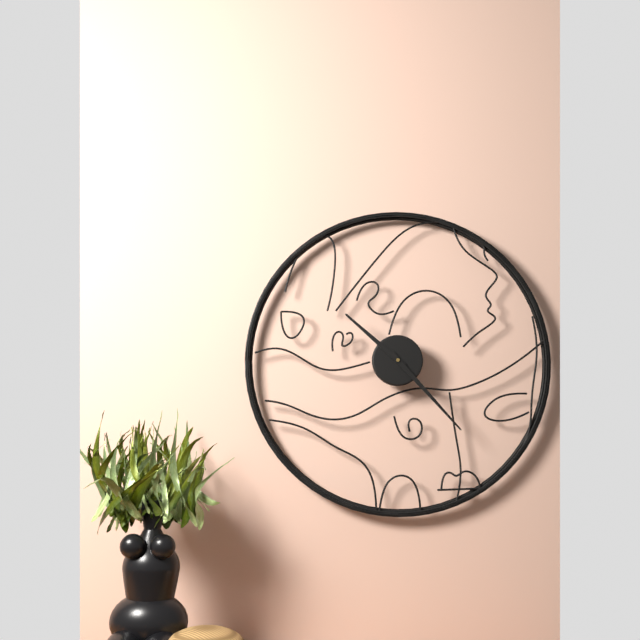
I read **10:23**
